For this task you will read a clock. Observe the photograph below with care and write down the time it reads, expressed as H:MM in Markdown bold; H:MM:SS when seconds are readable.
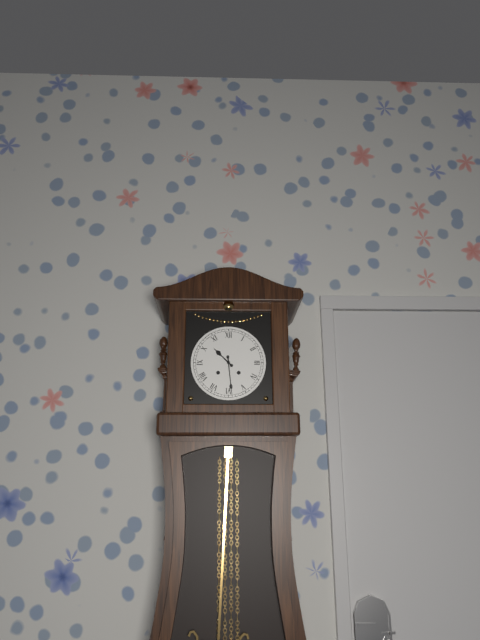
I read **10:29**
